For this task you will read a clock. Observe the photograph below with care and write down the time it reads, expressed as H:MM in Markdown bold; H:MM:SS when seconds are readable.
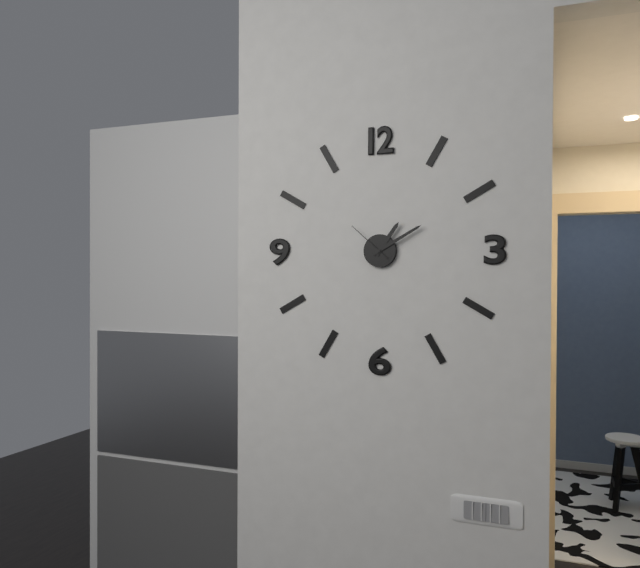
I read **1:10**
